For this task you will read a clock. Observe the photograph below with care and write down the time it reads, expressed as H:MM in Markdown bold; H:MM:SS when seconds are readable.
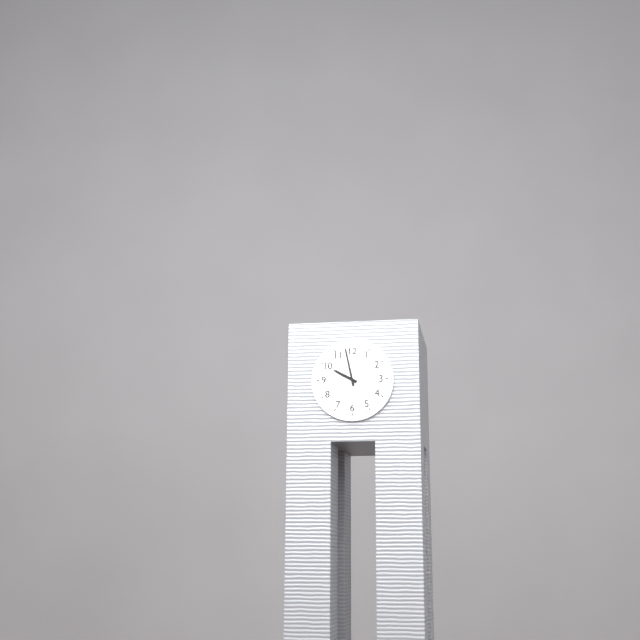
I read **9:58**
